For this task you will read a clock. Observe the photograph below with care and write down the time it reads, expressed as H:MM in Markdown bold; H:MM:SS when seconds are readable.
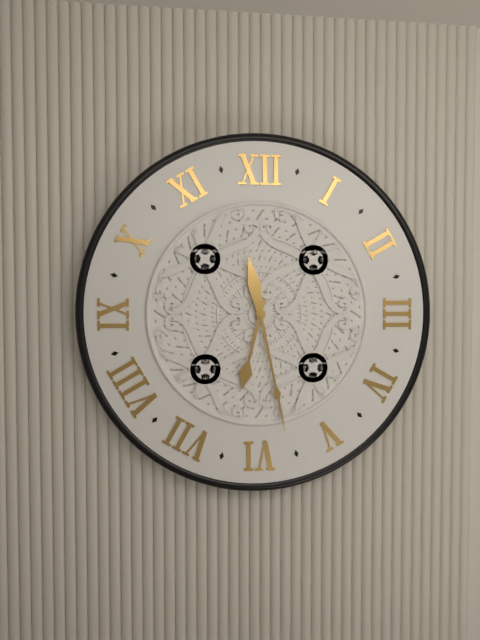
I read **6:28**
